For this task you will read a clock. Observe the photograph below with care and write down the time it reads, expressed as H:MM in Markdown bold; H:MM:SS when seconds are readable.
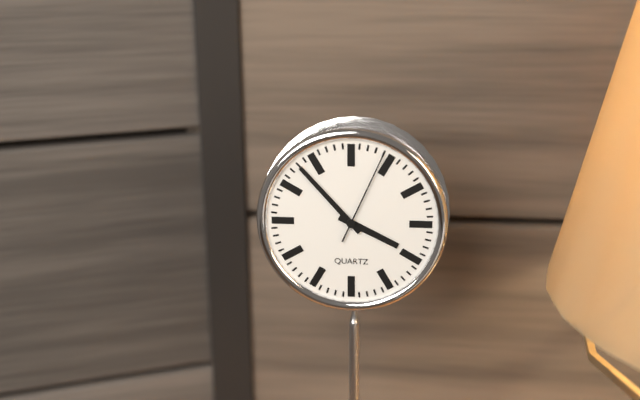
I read **3:53:04**
